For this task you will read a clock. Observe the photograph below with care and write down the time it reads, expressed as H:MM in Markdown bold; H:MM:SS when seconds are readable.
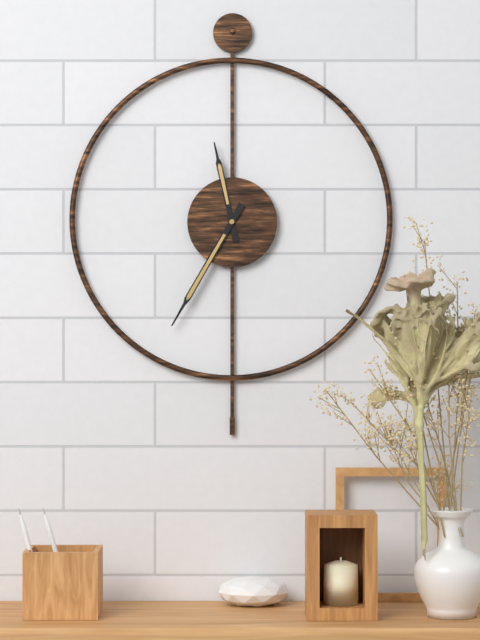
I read **11:35**
